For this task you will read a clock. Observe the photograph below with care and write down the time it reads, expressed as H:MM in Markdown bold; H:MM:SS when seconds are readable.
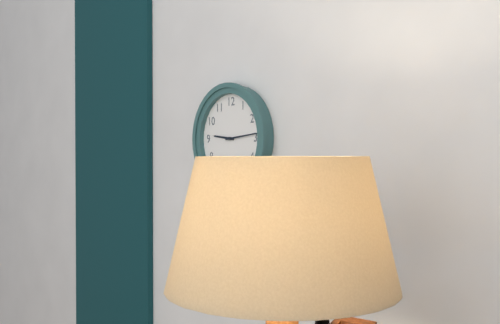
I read **9:14**
